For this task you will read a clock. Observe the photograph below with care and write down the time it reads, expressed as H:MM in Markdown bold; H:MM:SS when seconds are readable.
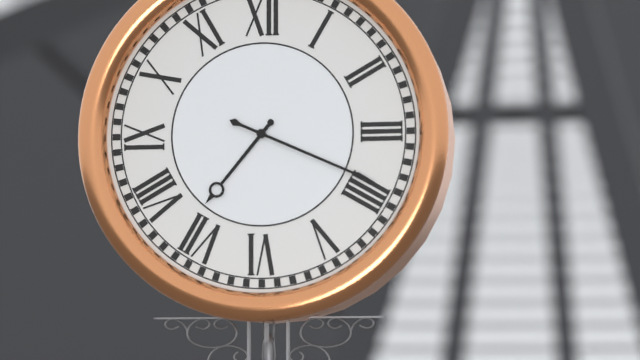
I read **7:19**
